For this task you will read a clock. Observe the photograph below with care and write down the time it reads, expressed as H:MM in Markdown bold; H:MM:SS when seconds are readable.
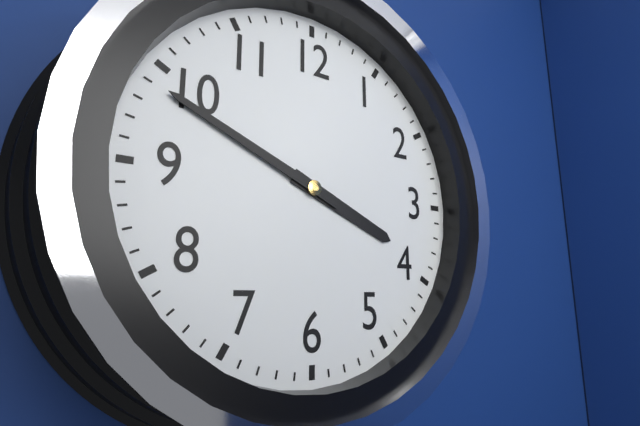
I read **3:49**
